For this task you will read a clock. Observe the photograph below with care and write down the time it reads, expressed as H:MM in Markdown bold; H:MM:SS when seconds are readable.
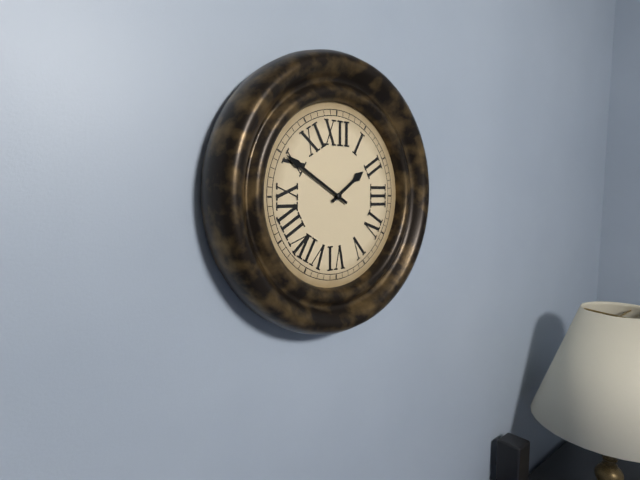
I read **1:50**
